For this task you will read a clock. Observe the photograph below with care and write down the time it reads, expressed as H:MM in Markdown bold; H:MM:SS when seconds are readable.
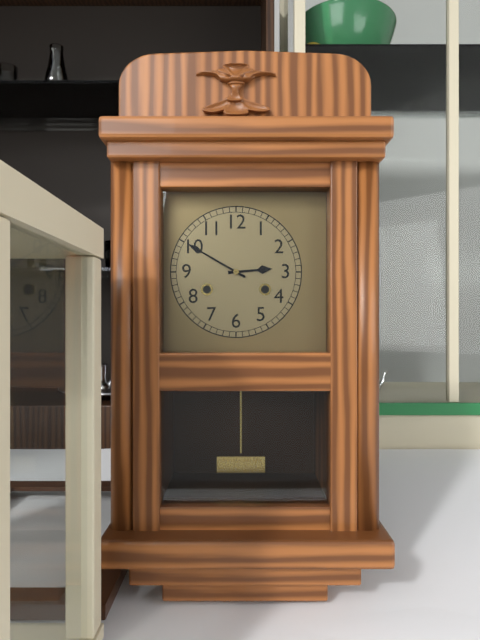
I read **2:50**
